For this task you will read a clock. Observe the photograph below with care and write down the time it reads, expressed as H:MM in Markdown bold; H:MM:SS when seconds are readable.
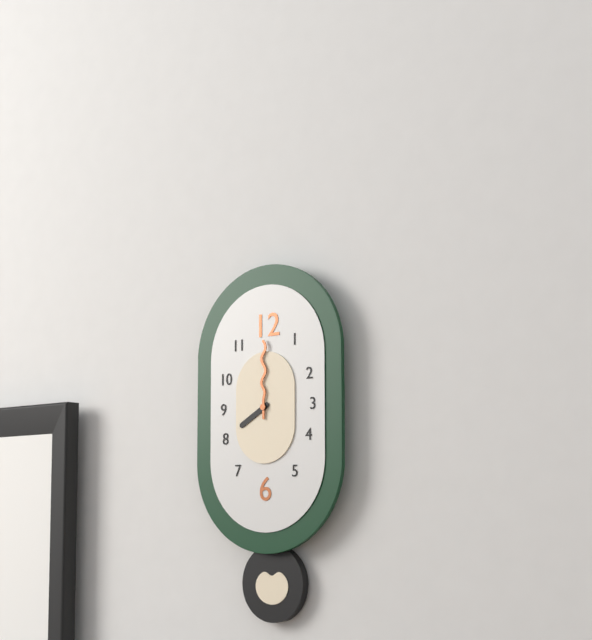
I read **8:00**
